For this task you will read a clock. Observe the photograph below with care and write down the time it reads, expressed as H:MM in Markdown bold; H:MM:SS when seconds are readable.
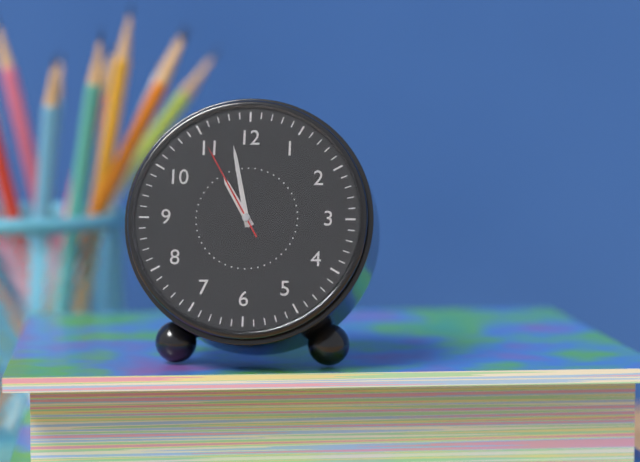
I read **10:58:55**
